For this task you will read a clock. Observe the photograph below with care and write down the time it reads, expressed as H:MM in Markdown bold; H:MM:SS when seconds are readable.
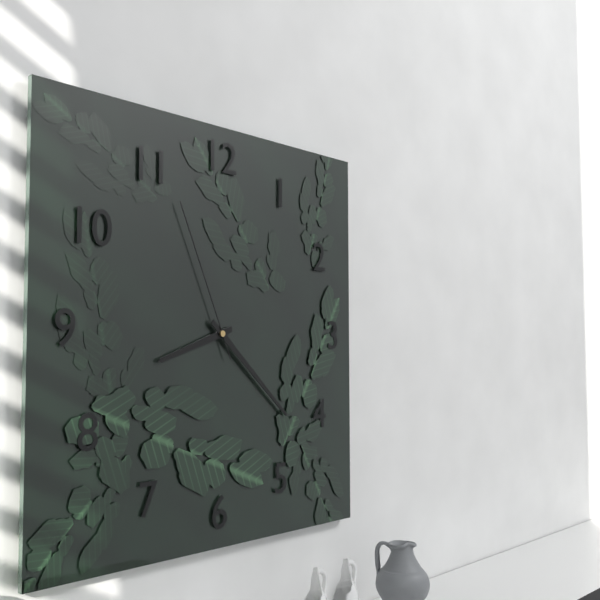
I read **8:22:56**
